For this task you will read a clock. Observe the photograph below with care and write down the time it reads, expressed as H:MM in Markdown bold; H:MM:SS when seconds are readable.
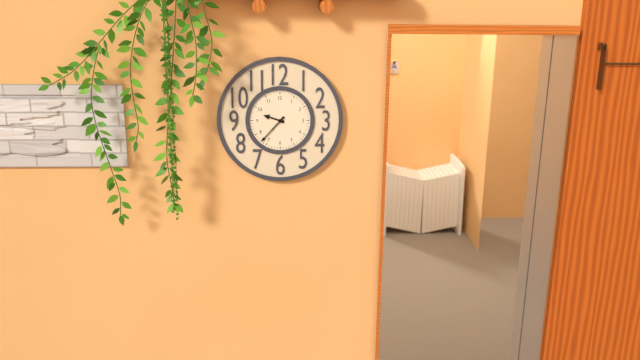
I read **9:37**
